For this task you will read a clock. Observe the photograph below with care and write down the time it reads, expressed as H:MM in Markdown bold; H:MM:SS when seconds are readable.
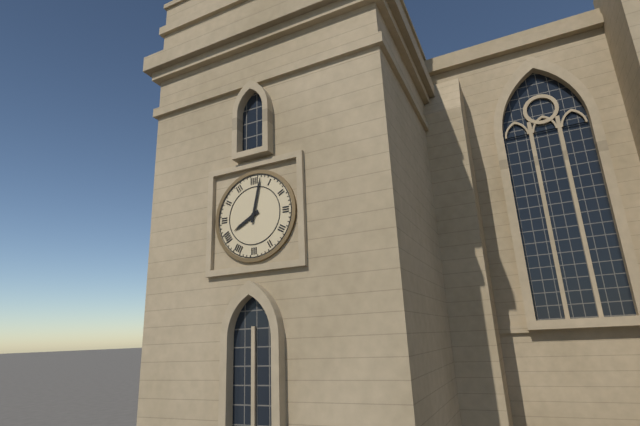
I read **8:02**
